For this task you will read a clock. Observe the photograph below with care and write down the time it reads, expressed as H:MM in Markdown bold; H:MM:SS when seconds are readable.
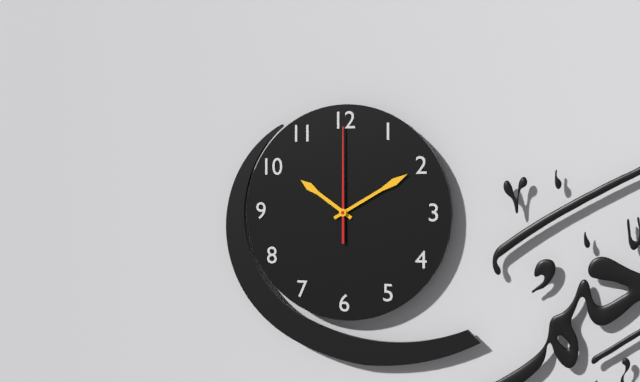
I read **10:10:00**
